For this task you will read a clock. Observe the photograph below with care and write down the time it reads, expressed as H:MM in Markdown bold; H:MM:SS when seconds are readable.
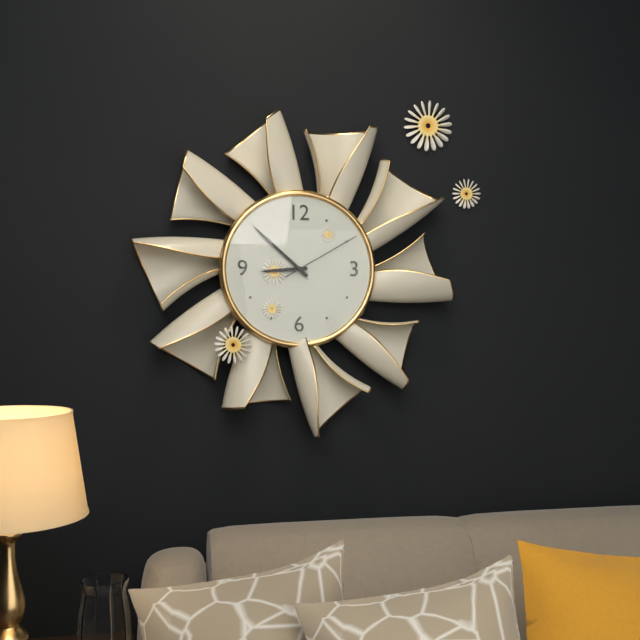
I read **8:52:10**
